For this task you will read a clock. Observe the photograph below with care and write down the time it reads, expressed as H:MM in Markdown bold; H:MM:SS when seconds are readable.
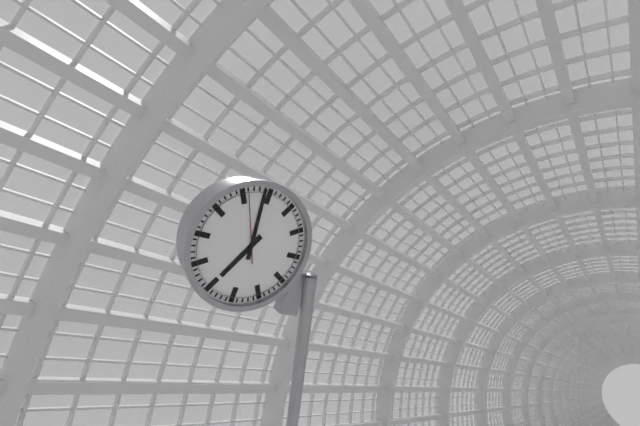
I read **6:59:56**
